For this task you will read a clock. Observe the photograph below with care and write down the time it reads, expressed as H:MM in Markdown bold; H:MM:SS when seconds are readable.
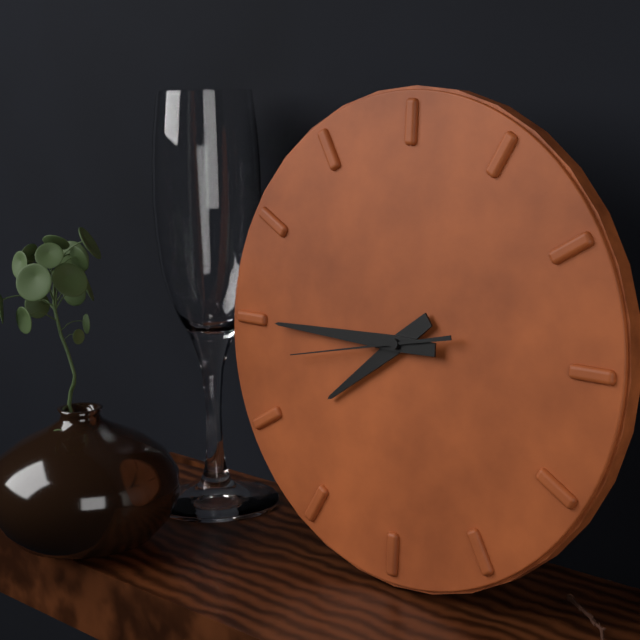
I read **7:45:43**
